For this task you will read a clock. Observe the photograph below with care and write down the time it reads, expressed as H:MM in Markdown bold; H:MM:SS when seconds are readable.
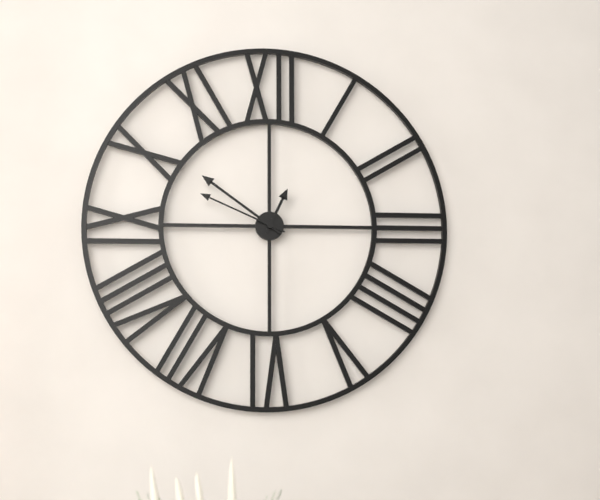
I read **12:51:49**
